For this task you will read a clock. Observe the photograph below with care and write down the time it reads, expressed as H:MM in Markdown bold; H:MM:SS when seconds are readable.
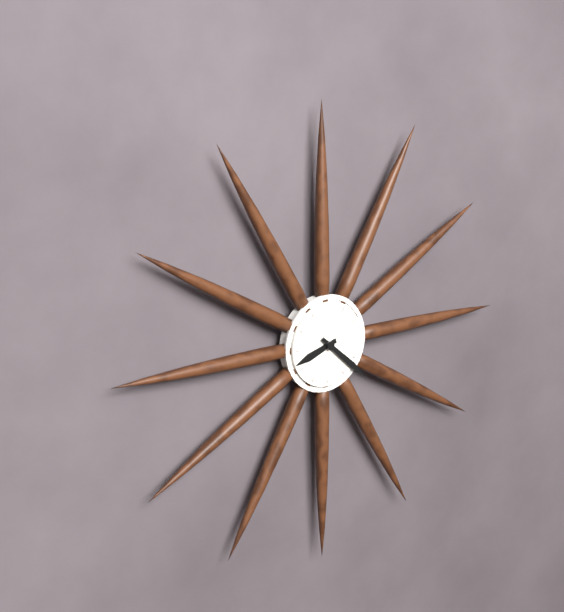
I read **8:22**
